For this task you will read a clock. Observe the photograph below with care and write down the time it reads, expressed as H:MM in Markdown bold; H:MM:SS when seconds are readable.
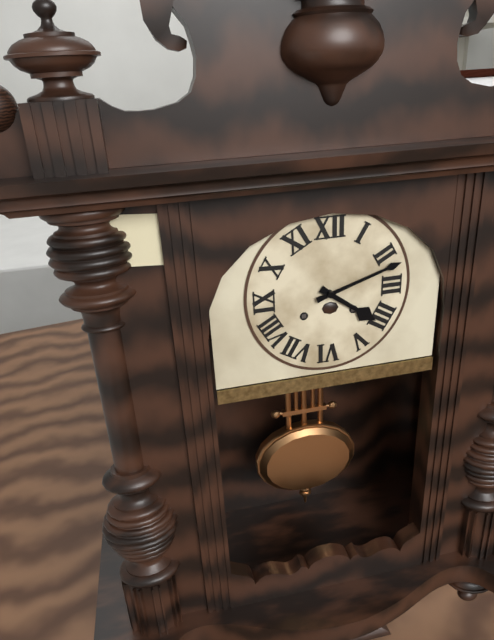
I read **4:12**
